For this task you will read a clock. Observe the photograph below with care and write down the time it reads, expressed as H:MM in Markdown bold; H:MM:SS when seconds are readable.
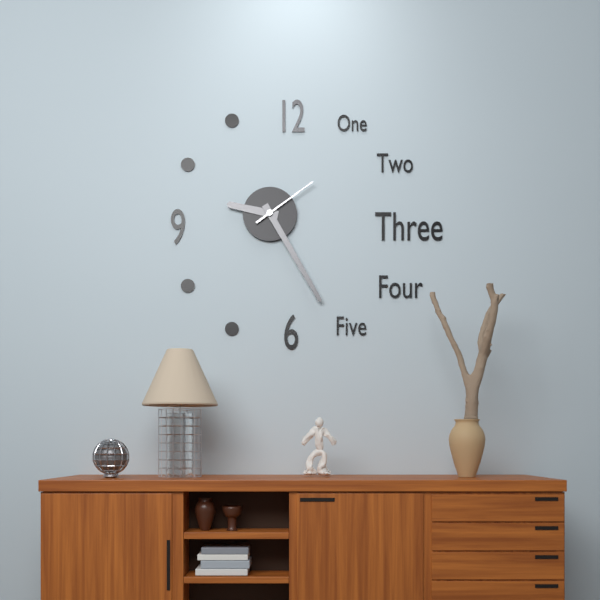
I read **9:25:09**
